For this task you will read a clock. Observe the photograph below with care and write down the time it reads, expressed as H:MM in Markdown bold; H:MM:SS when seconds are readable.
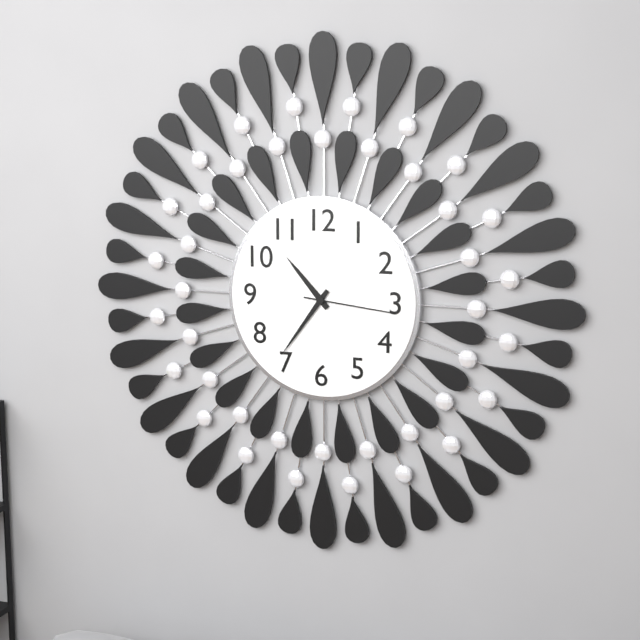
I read **10:36:16**
